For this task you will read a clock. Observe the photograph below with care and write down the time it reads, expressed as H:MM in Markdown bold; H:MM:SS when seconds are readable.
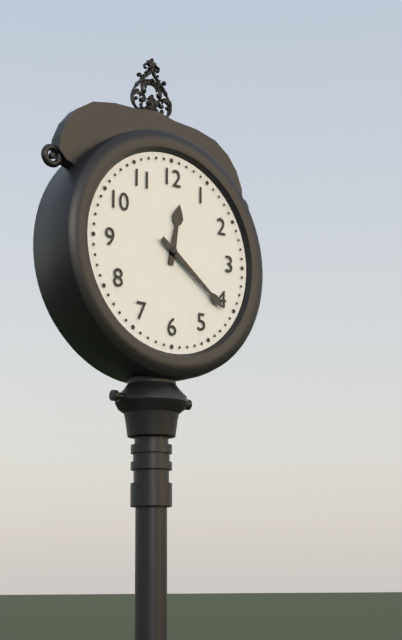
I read **12:21**
